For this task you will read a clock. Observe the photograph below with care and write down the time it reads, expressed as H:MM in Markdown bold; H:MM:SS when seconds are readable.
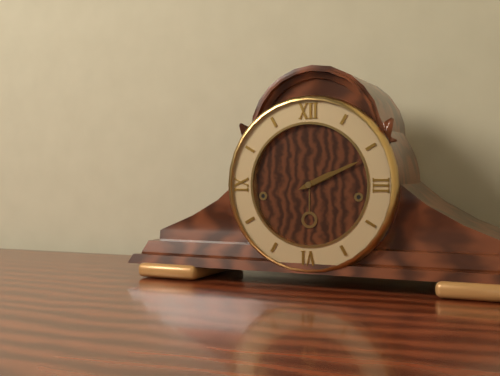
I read **2:11**
